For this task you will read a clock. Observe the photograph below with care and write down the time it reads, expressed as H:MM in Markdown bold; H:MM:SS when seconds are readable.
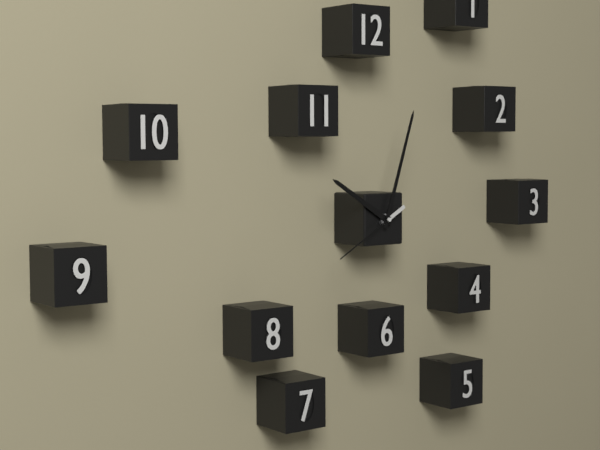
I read **10:03:40**
